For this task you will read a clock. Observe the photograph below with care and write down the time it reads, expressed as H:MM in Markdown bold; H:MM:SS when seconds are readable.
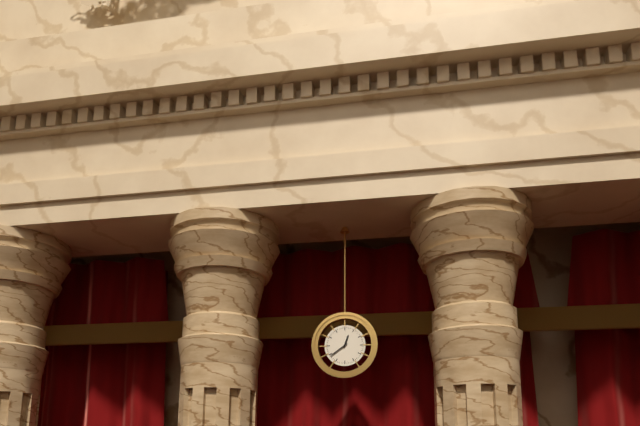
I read **12:39**
